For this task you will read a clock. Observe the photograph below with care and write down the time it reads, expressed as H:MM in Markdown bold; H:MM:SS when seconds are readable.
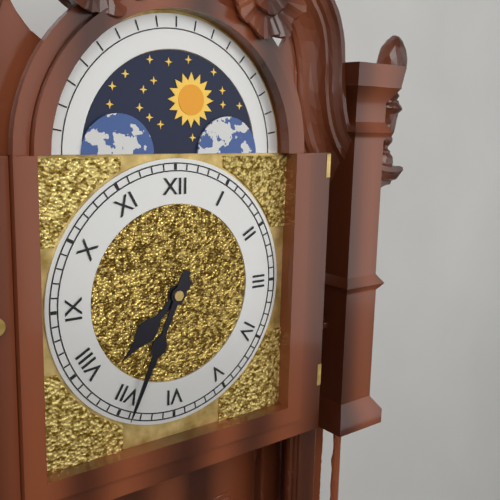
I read **7:34**
